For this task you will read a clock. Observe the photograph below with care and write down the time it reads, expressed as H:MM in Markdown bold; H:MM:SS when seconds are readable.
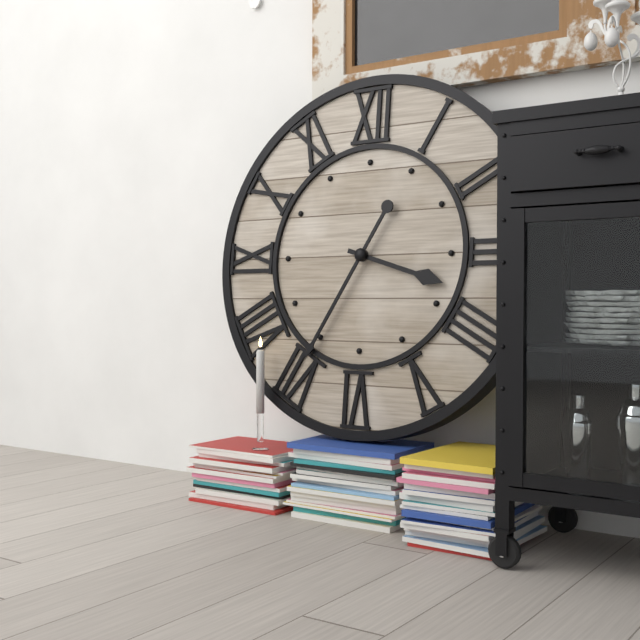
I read **3:35**
